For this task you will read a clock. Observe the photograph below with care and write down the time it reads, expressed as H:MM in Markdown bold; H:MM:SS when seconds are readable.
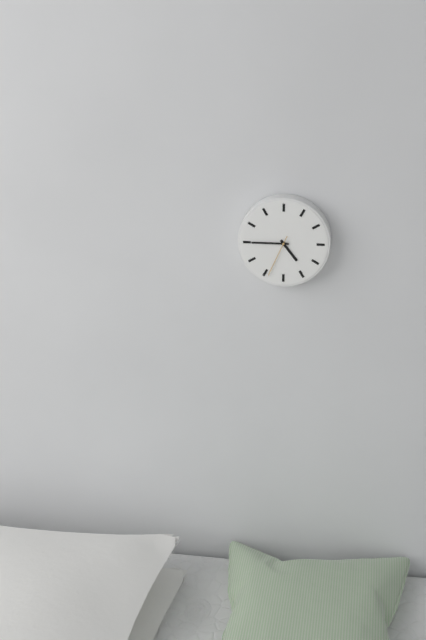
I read **4:45**
